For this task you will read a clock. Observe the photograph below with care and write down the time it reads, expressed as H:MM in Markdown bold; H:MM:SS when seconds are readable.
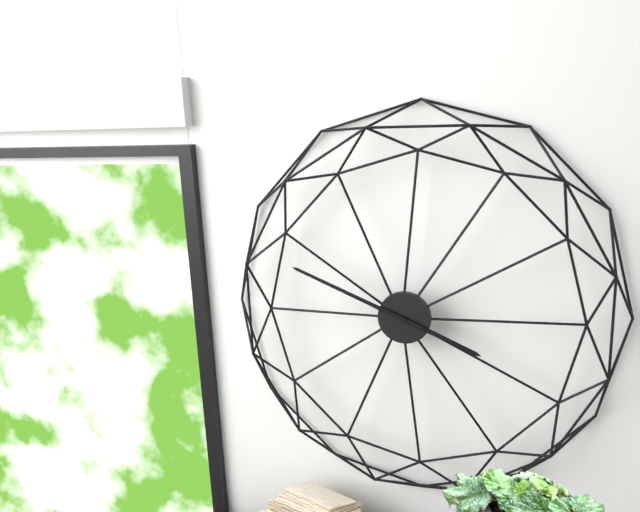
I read **3:49**
